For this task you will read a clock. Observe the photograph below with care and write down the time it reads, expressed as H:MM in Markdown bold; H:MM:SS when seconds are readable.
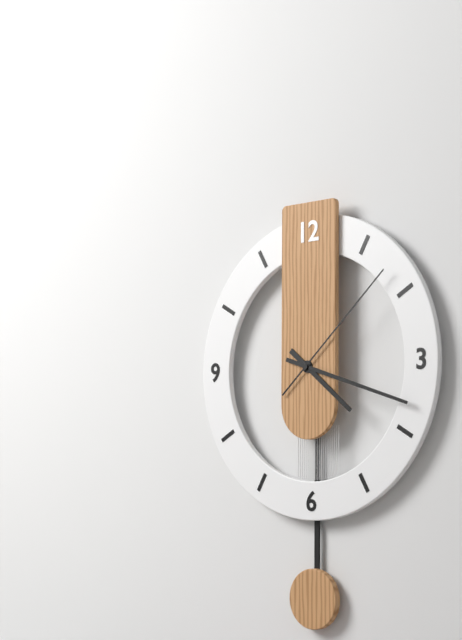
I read **4:18:08**
